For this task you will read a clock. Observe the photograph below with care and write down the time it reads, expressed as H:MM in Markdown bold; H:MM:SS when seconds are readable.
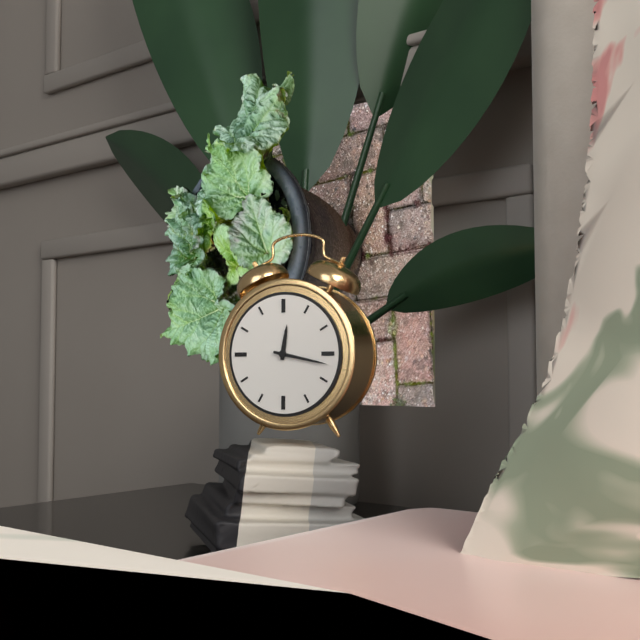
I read **12:17**
